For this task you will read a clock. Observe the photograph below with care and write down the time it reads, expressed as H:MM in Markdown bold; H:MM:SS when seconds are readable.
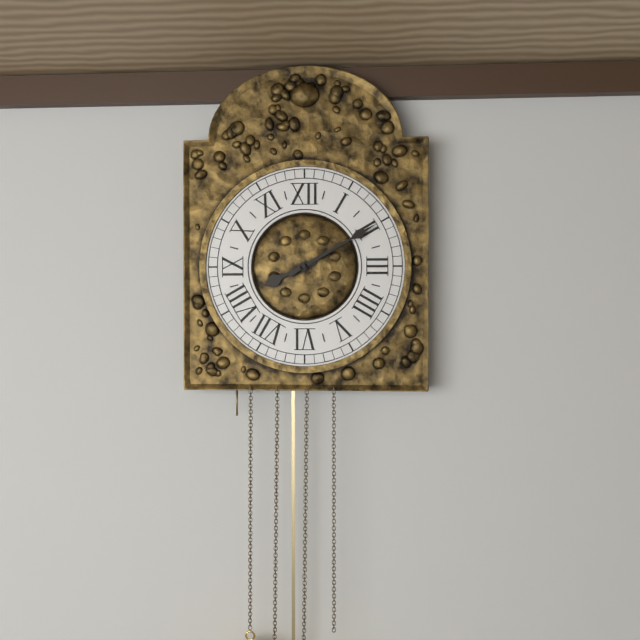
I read **8:10**
